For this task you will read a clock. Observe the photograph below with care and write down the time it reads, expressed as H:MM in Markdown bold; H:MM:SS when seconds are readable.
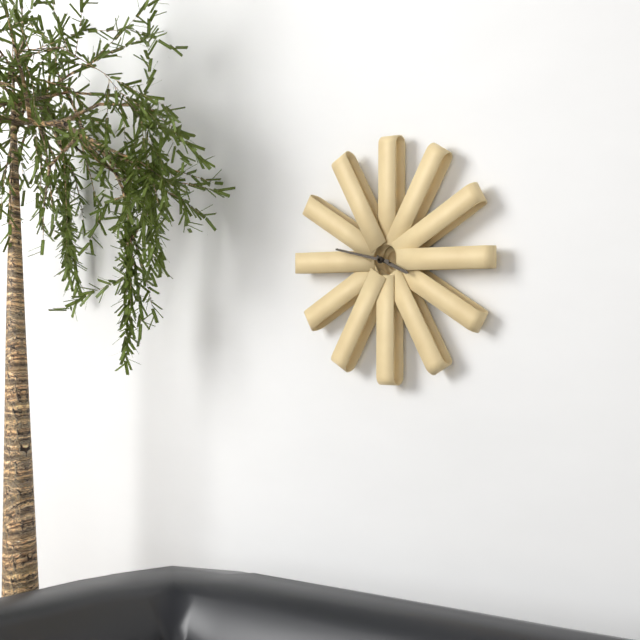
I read **3:47**
